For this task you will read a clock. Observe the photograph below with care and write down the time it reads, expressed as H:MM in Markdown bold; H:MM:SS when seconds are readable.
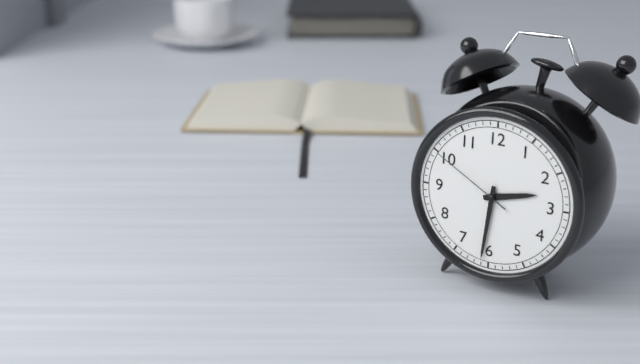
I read **2:31:50**
